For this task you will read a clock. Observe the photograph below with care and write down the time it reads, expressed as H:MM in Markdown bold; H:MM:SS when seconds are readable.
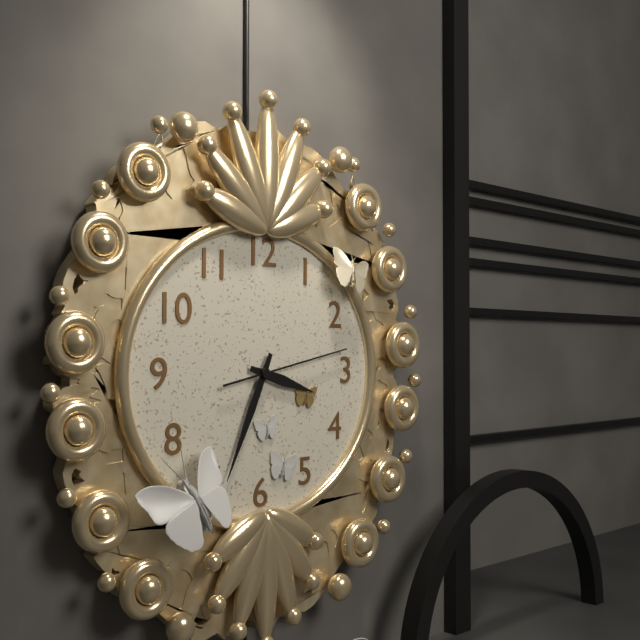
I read **3:34:13**
